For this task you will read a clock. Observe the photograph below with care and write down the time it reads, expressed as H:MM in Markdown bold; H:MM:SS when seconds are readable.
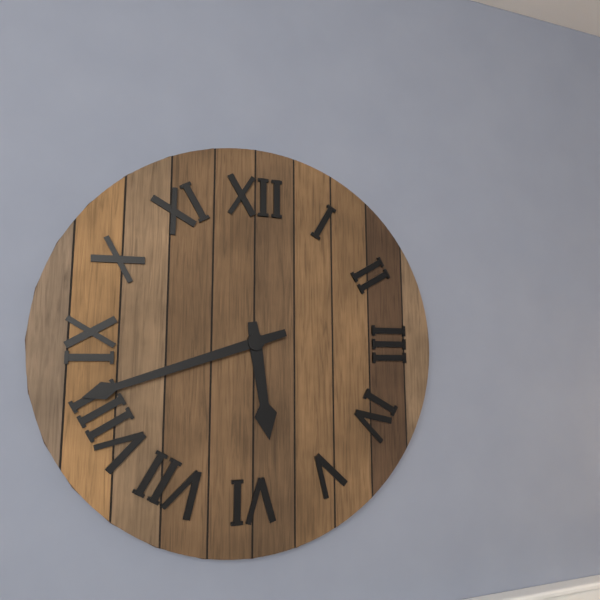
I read **5:42**
